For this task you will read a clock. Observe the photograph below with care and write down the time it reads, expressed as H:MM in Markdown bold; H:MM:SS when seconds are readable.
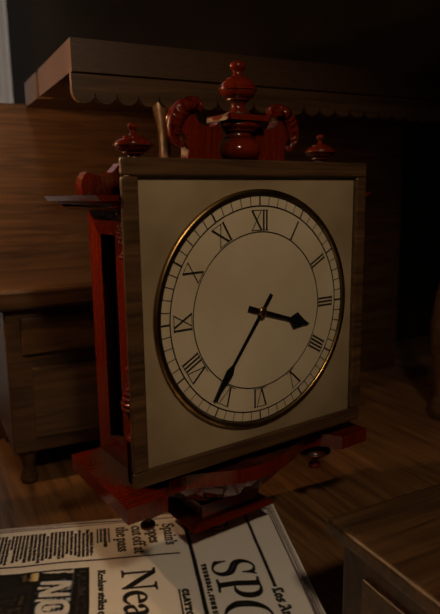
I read **3:36**
